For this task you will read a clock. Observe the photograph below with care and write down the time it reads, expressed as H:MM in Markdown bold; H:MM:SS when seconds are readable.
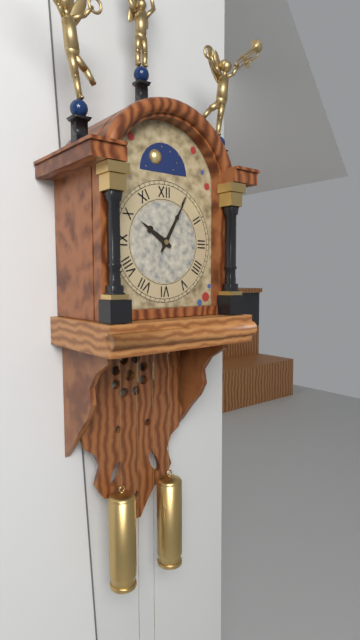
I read **10:05**
